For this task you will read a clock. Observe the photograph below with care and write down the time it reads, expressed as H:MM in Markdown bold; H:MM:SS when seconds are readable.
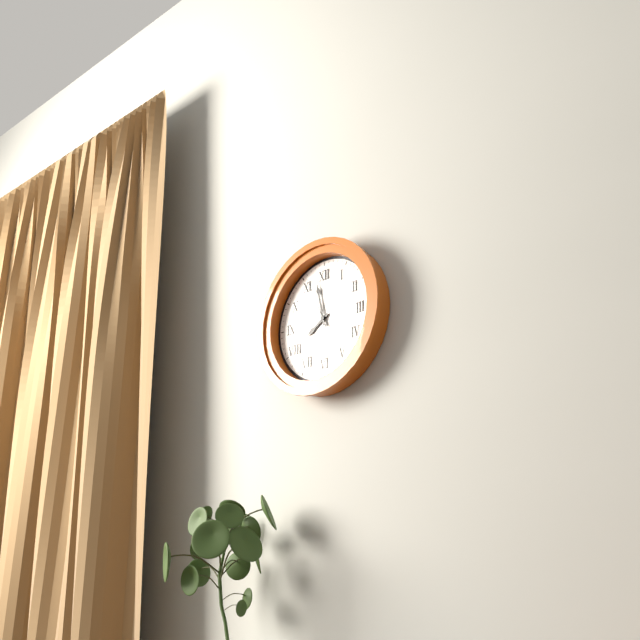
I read **7:58:56**
